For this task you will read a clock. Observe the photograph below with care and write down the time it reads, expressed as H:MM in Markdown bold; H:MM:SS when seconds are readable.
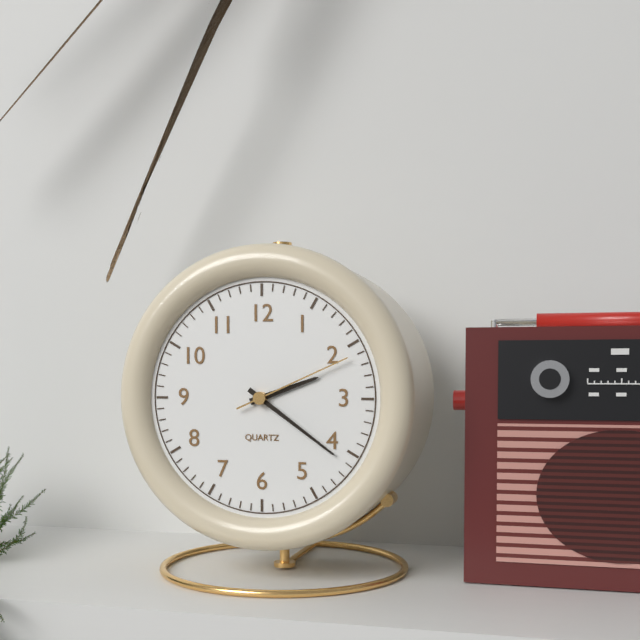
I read **2:21:11**
